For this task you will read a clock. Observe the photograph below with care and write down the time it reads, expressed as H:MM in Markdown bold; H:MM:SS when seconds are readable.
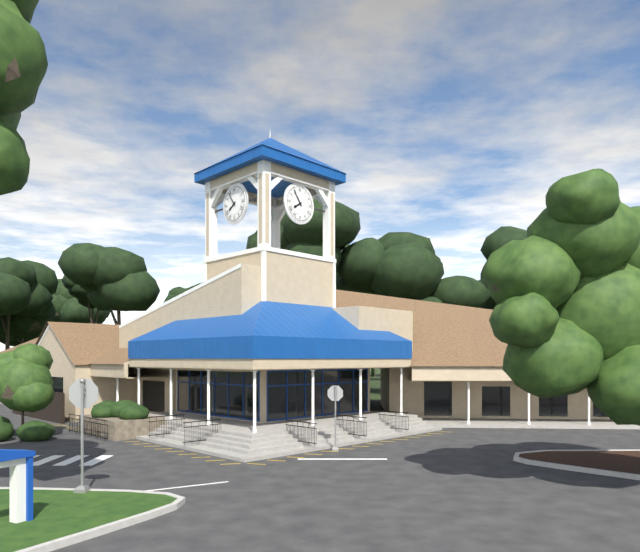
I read **7:54**
